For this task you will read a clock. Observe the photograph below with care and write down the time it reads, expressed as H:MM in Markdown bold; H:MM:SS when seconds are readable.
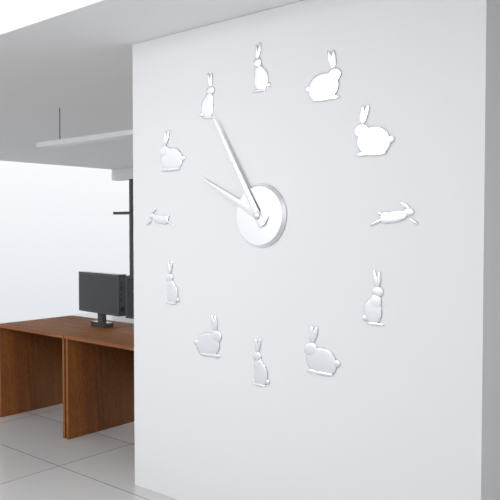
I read **9:55**
